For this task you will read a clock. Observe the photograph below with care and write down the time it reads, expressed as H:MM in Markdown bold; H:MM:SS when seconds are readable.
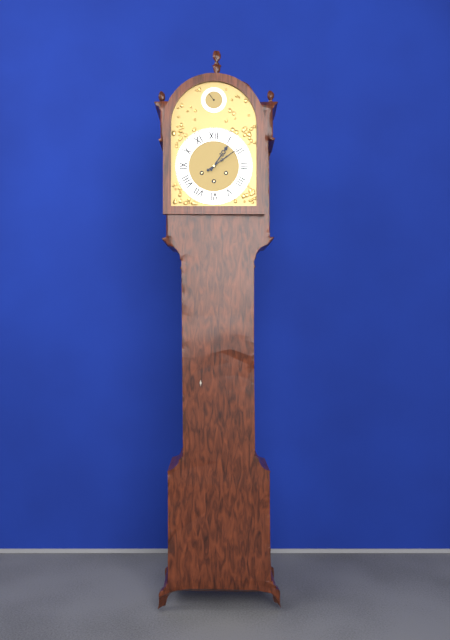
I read **1:09**
